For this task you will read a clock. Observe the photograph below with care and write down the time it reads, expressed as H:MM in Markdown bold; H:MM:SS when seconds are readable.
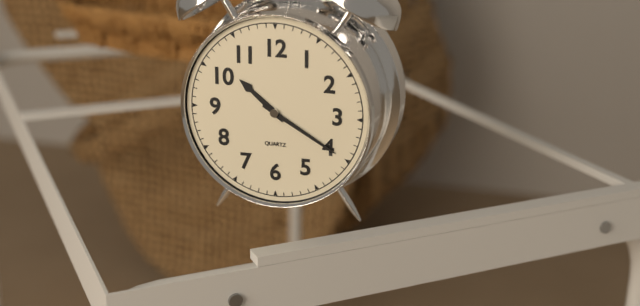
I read **10:20**
